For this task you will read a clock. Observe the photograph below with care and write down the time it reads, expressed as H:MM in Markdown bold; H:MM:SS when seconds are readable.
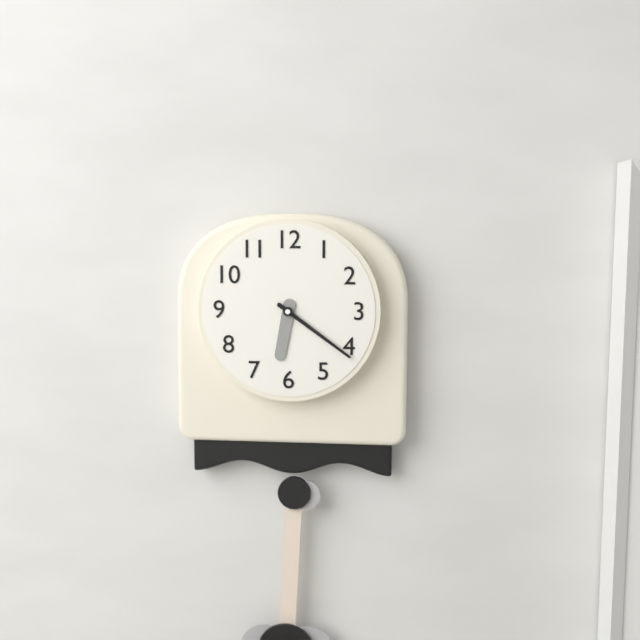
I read **6:21**
